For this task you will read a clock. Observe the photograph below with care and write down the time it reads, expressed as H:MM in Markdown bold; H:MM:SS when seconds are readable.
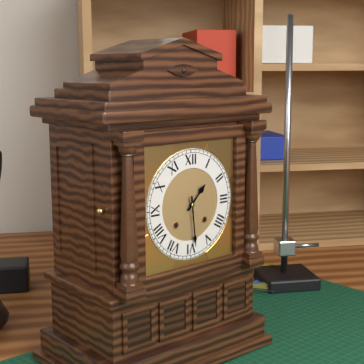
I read **1:29**
